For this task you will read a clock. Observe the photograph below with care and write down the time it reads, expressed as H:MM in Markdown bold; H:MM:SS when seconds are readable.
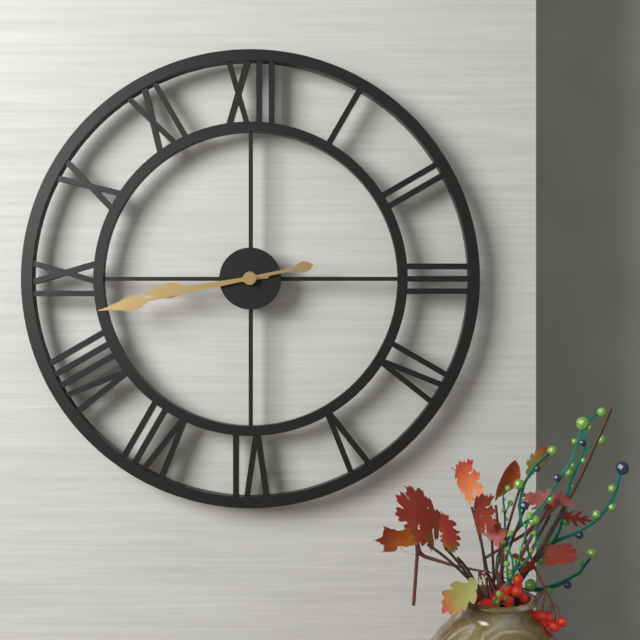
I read **8:43**
